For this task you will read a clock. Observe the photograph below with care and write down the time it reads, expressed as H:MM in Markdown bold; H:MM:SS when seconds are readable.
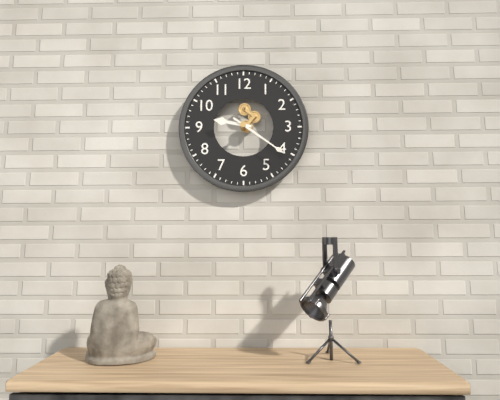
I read **9:21**
